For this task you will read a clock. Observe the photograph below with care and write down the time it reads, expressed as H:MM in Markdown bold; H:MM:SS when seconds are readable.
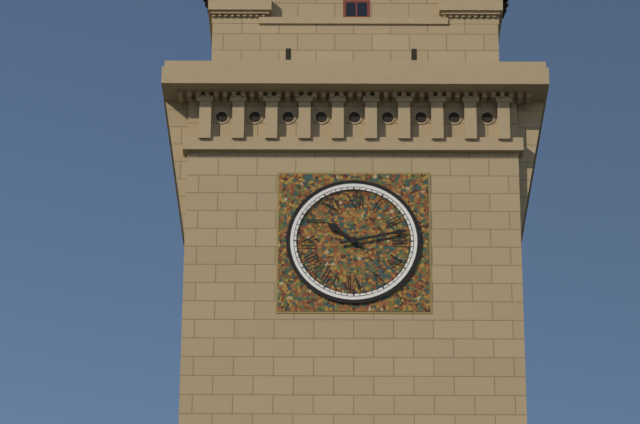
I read **10:13**
